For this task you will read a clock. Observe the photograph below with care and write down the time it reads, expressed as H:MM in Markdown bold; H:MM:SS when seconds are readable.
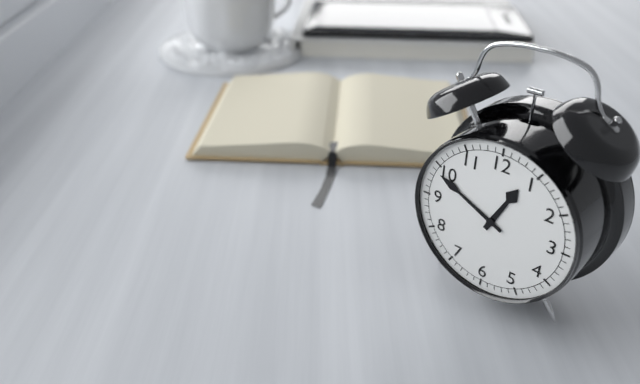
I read **12:49**
